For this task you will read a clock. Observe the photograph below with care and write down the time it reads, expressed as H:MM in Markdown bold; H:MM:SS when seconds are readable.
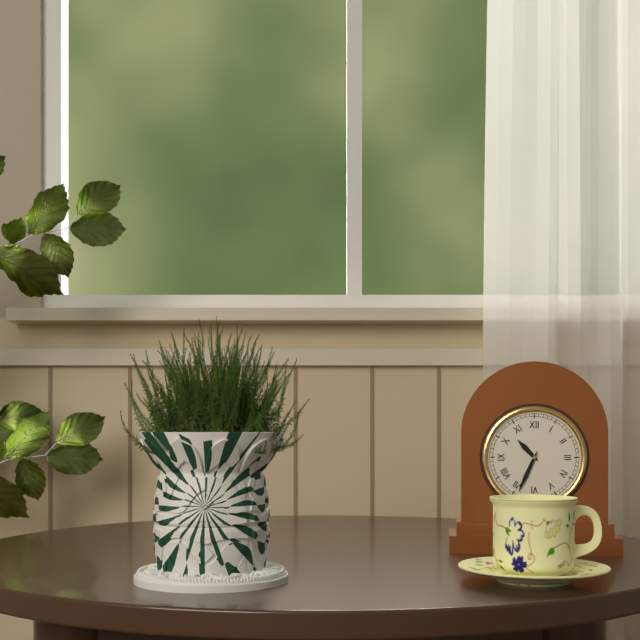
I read **10:34**
